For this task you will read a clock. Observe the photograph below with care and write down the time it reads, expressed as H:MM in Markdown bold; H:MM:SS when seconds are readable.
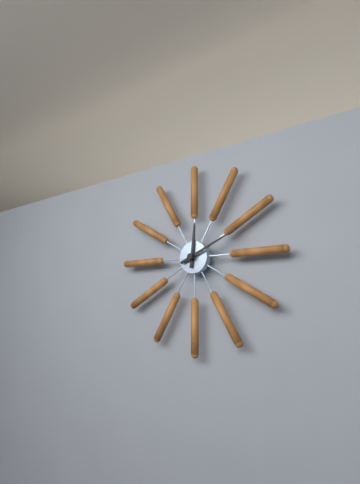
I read **12:11**
